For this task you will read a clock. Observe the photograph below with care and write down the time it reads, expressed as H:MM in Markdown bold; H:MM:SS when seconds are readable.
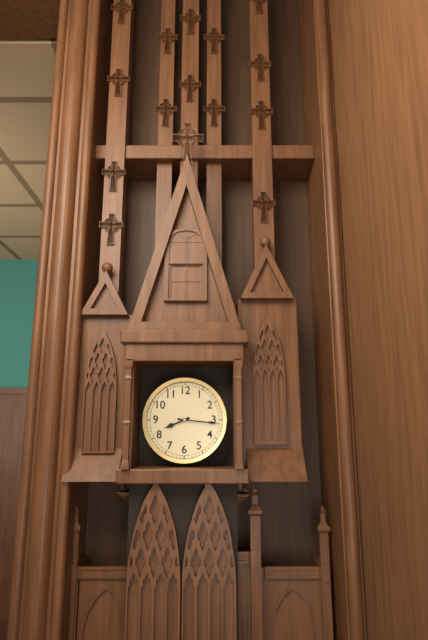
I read **8:16**
